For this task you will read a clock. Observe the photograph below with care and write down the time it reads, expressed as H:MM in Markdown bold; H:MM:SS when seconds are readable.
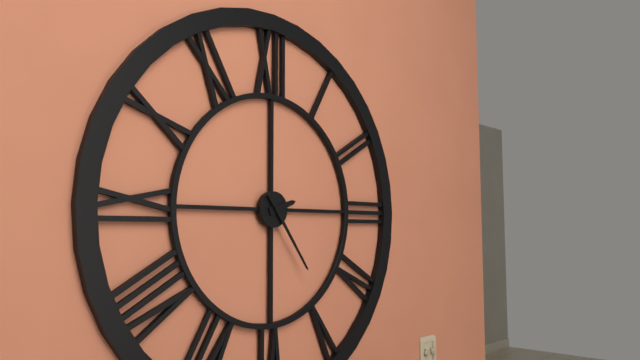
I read **2:24**
